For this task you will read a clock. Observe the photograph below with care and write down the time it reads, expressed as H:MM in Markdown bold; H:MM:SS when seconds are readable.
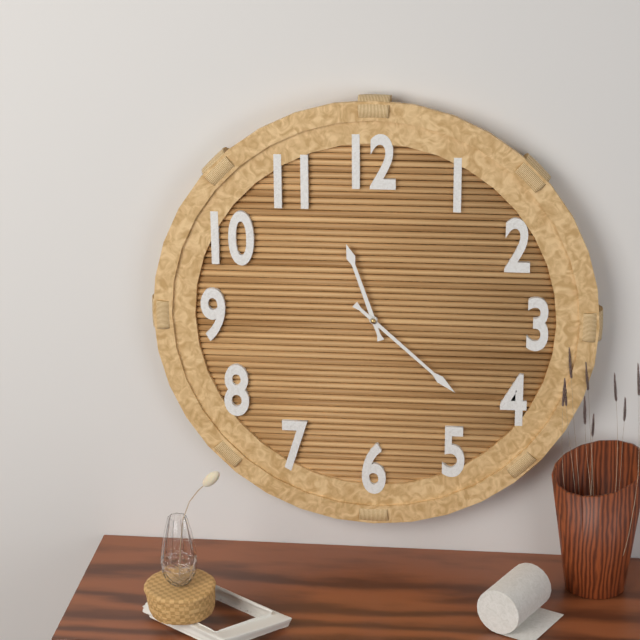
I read **11:22**
